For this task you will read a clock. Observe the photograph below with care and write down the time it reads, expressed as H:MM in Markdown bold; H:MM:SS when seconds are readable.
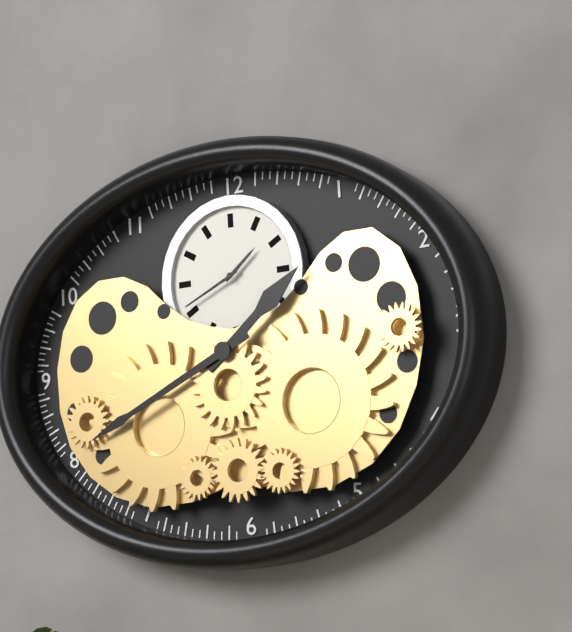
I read **1:41**
